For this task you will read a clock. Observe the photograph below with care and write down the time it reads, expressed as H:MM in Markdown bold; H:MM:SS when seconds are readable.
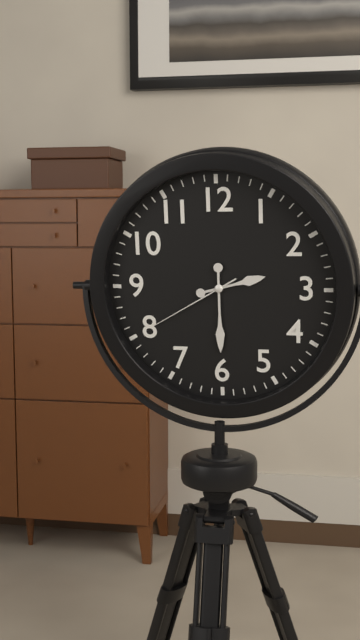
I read **2:30:40**
